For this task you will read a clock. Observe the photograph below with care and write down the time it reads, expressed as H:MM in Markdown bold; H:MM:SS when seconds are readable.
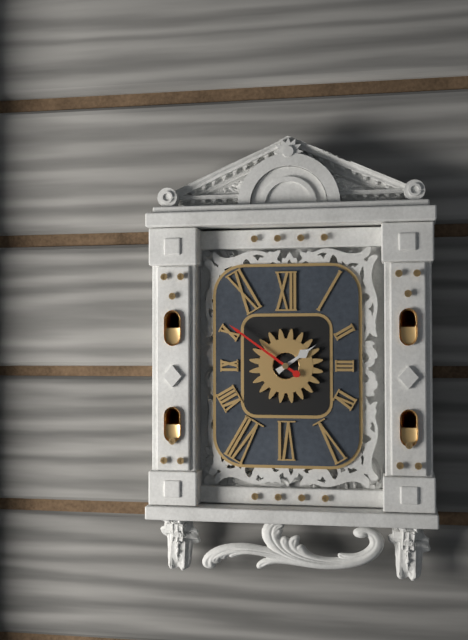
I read **1:51**
